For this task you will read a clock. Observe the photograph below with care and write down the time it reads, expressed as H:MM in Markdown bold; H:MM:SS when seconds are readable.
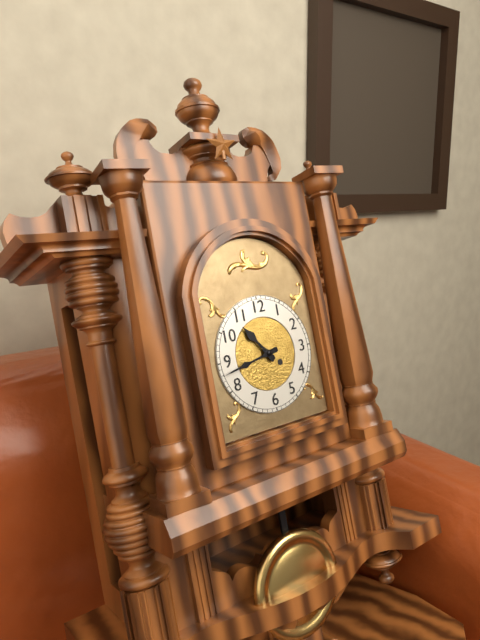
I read **10:43**
